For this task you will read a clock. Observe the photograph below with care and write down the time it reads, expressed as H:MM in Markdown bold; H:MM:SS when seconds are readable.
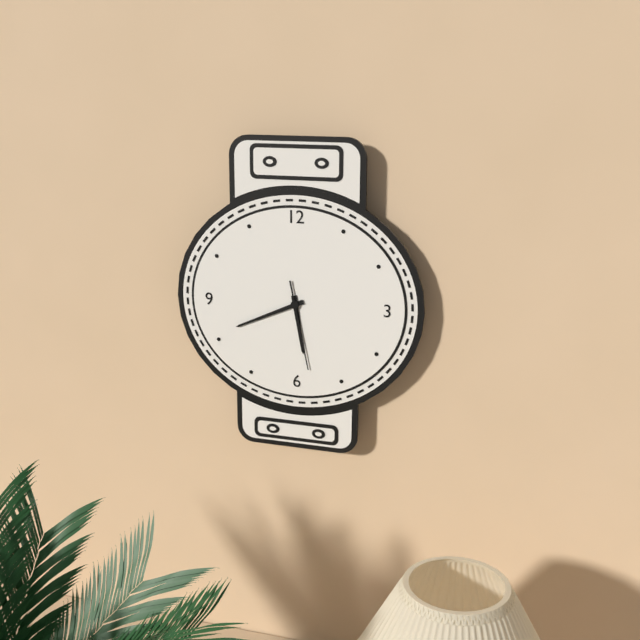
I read **5:41:28**
